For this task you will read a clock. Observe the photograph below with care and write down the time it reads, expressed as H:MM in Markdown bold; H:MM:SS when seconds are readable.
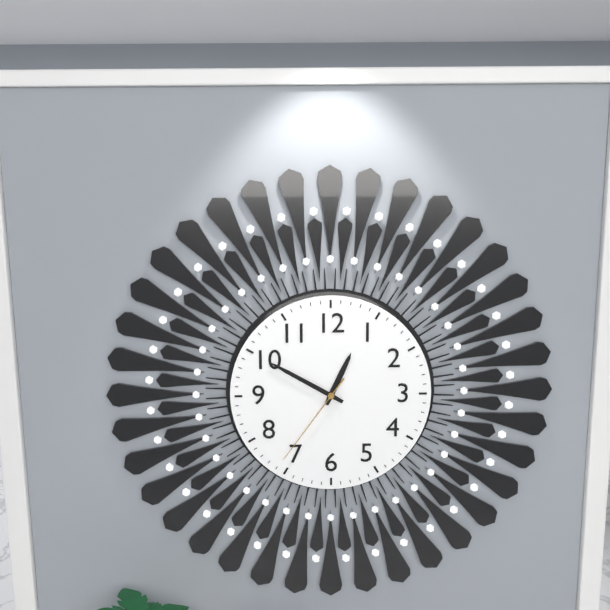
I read **12:50:36**
